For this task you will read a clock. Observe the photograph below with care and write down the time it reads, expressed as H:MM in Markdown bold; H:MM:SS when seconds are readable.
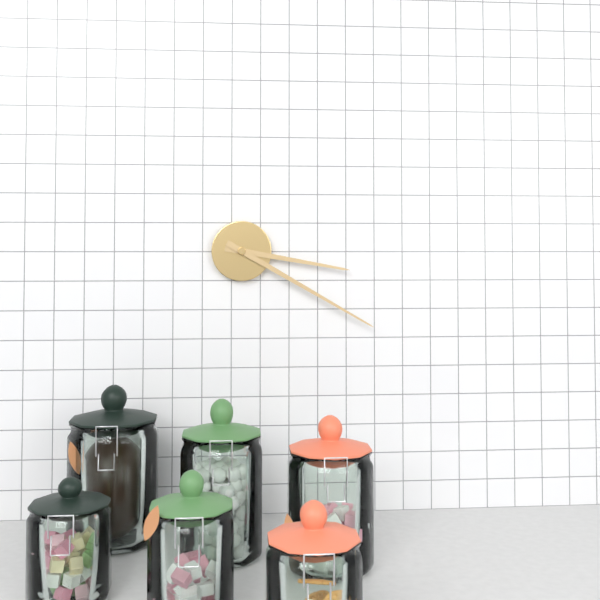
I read **3:20**
